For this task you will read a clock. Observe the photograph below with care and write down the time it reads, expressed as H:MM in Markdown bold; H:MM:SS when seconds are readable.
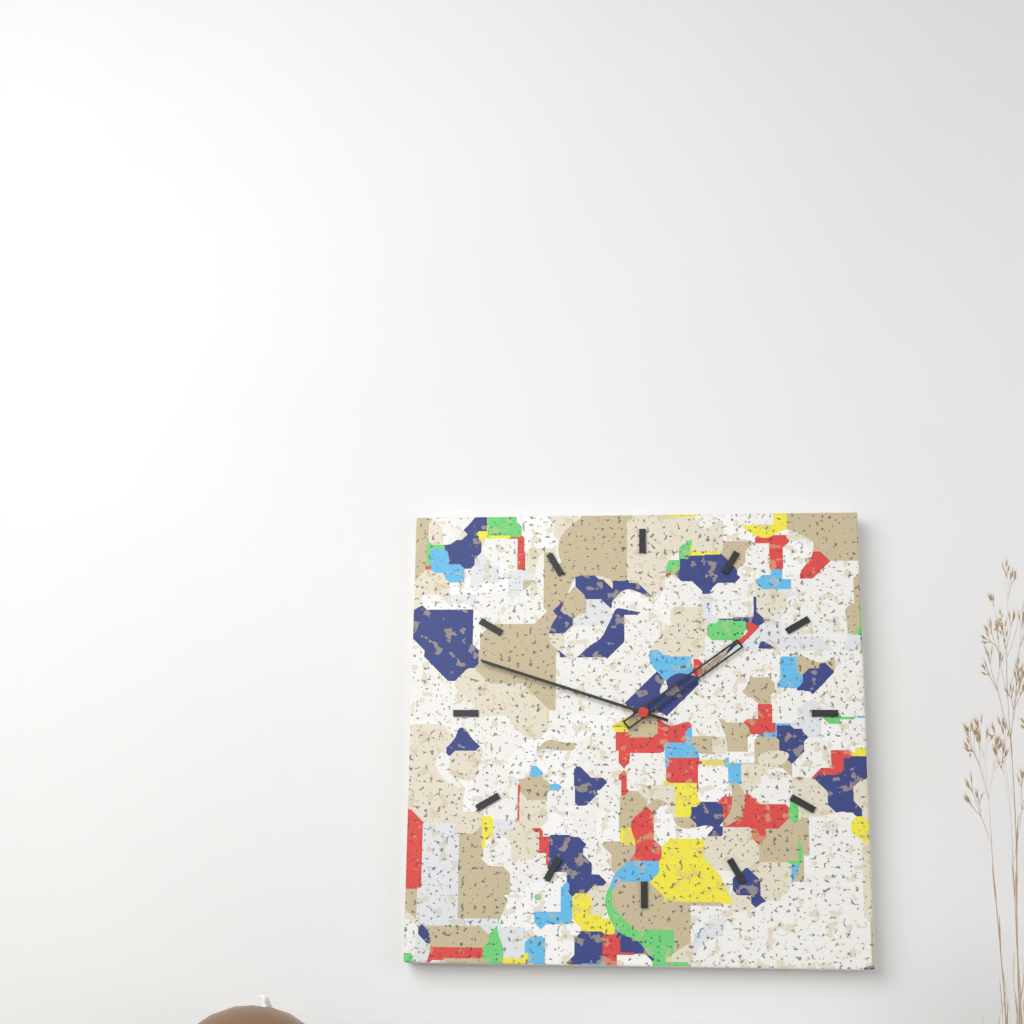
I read **1:48**
